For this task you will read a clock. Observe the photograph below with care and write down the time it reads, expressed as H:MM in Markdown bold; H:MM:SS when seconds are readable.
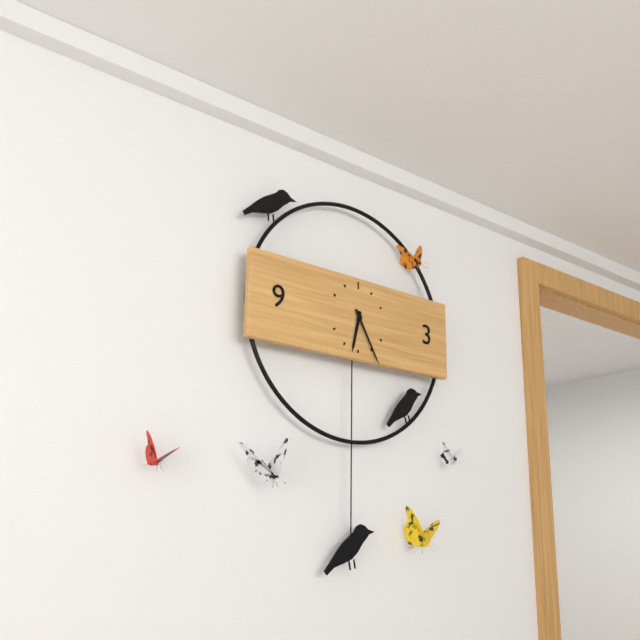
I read **6:25**
